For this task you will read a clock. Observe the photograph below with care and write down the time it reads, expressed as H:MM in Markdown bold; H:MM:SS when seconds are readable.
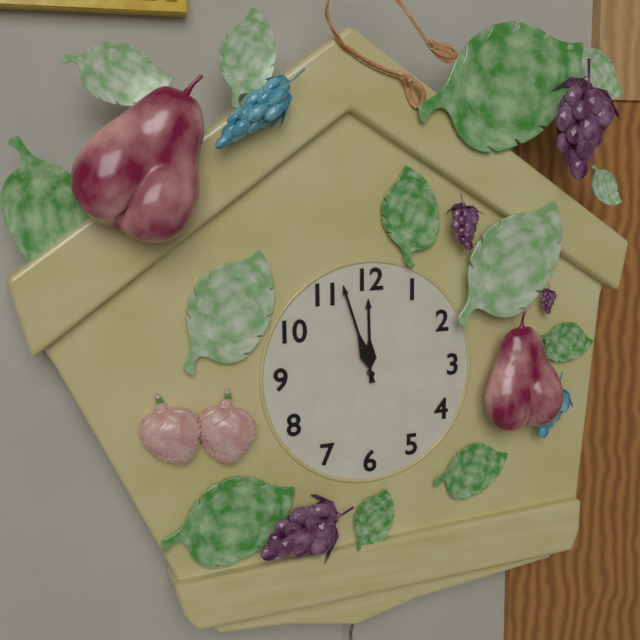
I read **11:57**
